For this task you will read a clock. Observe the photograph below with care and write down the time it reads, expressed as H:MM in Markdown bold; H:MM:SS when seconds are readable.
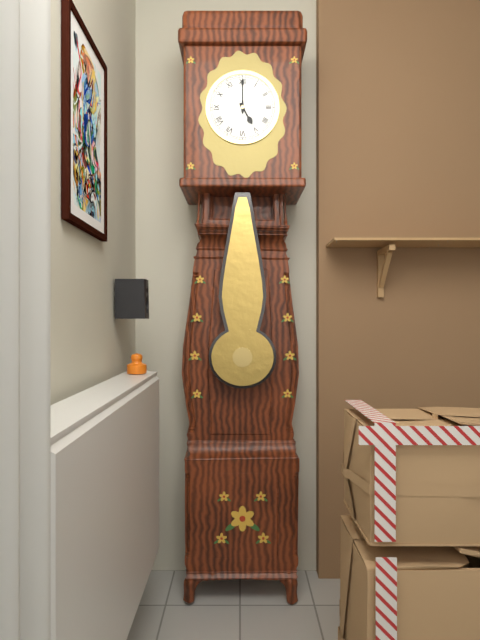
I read **5:00**
